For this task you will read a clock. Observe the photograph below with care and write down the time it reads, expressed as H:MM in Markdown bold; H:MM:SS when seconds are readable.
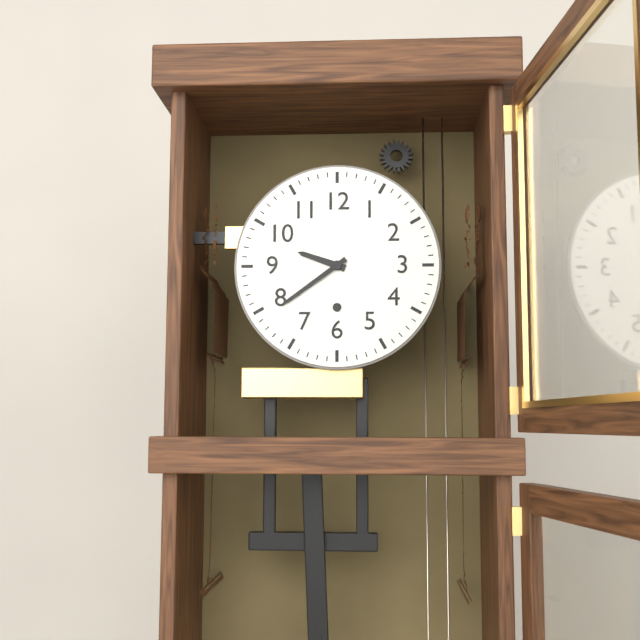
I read **9:39**
